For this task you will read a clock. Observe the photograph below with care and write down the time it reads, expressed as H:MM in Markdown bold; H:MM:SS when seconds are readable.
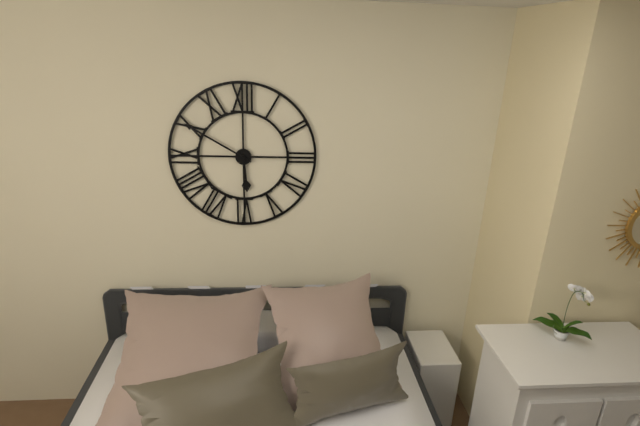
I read **5:50**
